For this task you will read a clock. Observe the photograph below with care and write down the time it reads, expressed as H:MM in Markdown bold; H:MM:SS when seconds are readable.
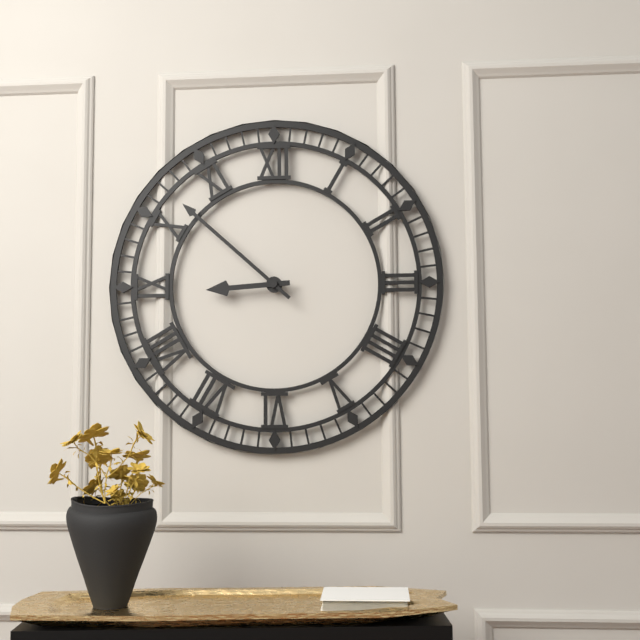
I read **8:52**
